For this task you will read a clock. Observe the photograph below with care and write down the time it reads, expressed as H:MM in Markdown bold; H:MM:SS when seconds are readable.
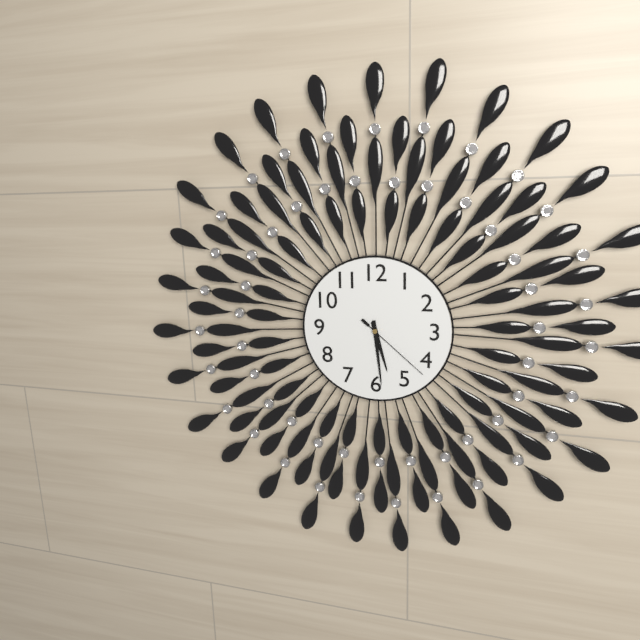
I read **5:29:22**
